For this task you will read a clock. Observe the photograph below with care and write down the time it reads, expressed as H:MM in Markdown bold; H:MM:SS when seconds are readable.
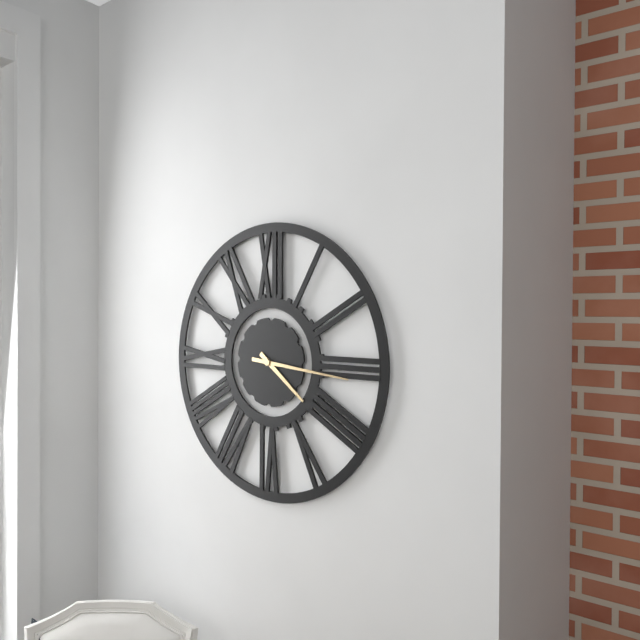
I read **4:16**
